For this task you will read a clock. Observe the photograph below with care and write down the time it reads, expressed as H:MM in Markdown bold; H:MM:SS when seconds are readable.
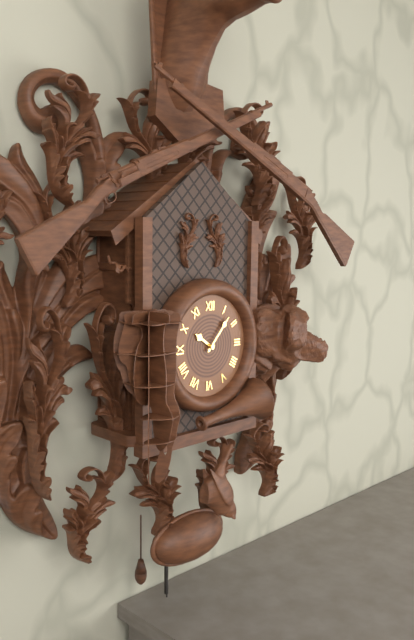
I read **10:07**
